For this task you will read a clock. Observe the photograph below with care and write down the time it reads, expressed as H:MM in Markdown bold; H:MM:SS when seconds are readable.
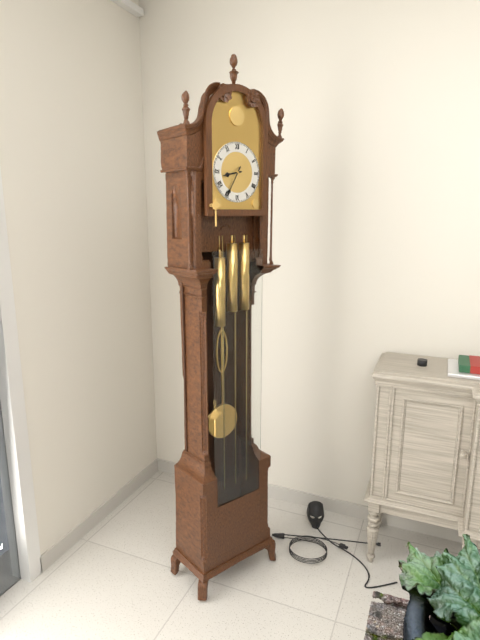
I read **8:35**
